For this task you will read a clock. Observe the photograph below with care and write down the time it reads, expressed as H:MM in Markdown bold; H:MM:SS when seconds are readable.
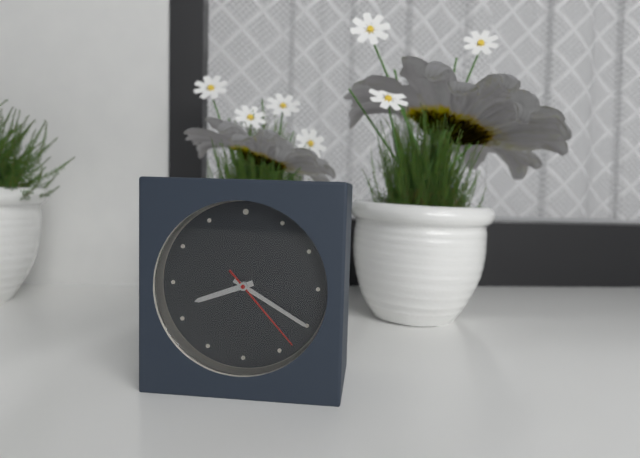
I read **8:20:23**
